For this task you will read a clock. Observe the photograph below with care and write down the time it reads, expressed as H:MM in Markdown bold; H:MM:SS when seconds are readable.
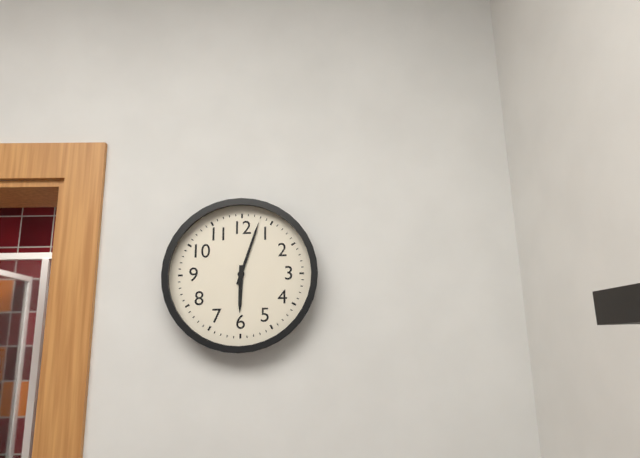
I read **6:03**
